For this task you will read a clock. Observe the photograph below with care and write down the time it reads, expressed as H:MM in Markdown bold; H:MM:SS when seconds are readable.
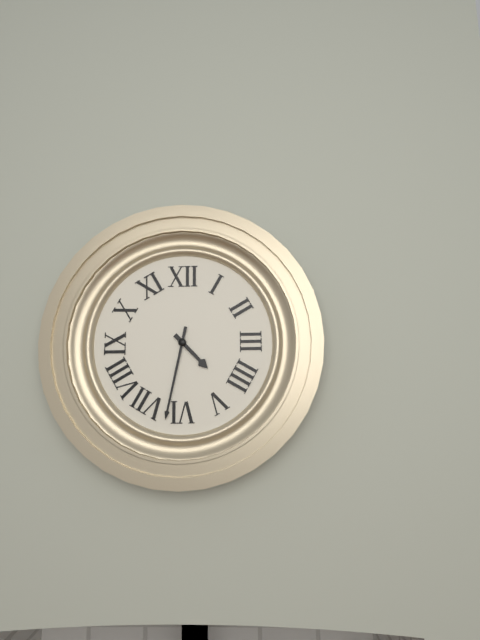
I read **4:32**
